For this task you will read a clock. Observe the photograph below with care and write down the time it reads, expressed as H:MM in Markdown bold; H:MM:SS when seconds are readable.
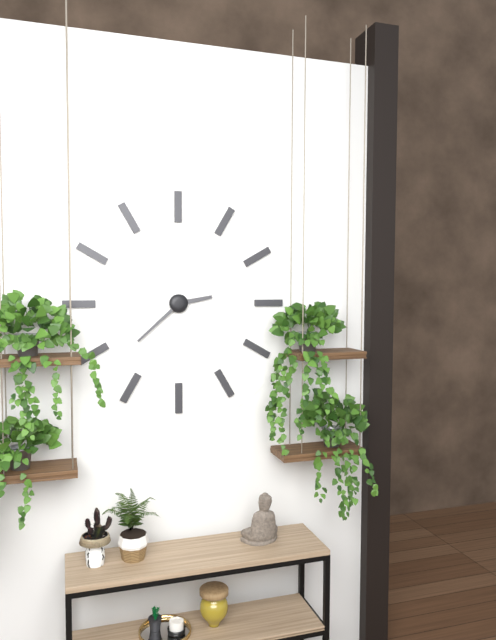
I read **2:38**
